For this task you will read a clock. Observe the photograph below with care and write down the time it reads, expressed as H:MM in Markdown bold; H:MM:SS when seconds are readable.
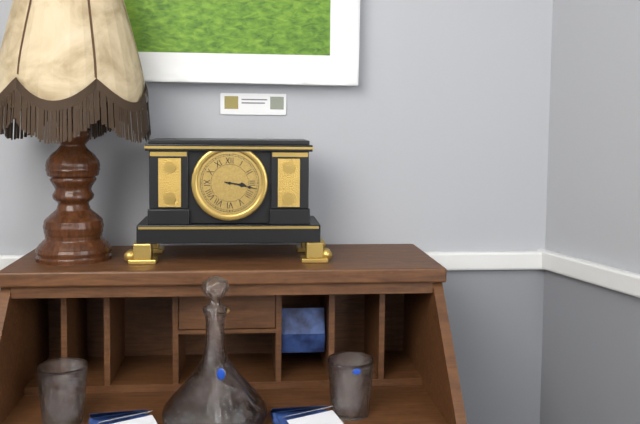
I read **3:17**
